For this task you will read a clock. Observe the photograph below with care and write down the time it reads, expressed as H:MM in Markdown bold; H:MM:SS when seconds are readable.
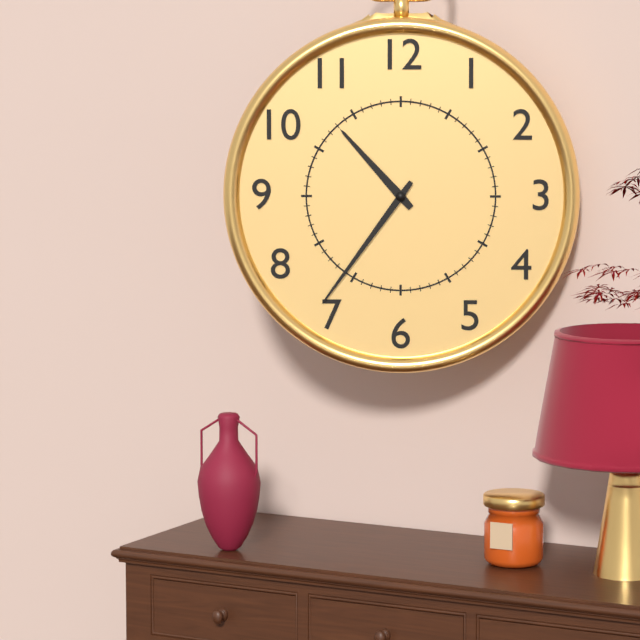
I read **10:36**
